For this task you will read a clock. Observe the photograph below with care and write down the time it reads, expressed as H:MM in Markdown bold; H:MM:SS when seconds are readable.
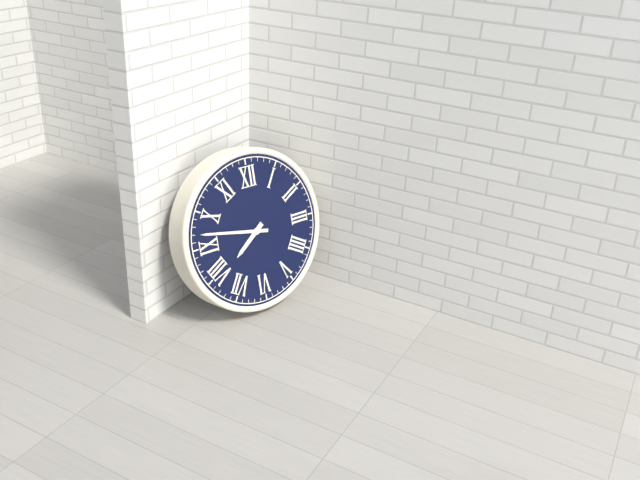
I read **7:47**
